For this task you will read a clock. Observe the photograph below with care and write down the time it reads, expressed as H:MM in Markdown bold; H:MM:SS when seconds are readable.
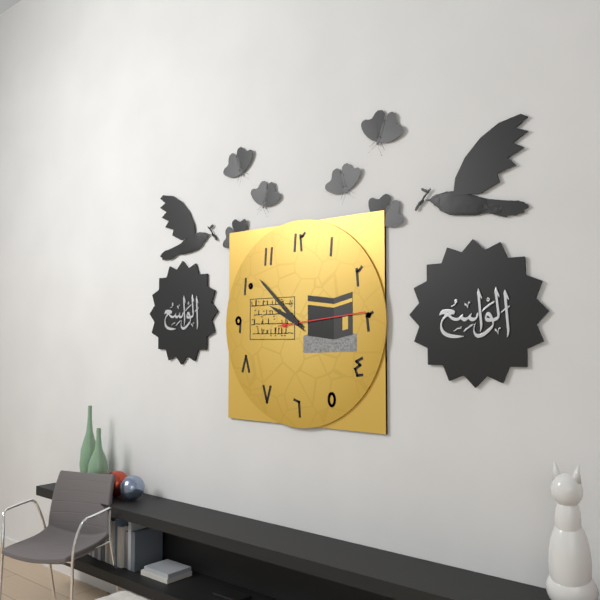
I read **9:52:14**
